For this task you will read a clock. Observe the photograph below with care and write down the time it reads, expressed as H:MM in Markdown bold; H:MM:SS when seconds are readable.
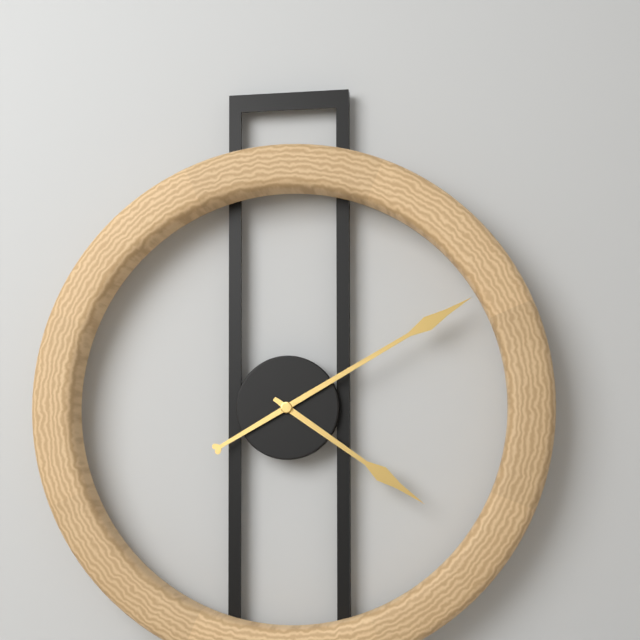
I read **4:10**
